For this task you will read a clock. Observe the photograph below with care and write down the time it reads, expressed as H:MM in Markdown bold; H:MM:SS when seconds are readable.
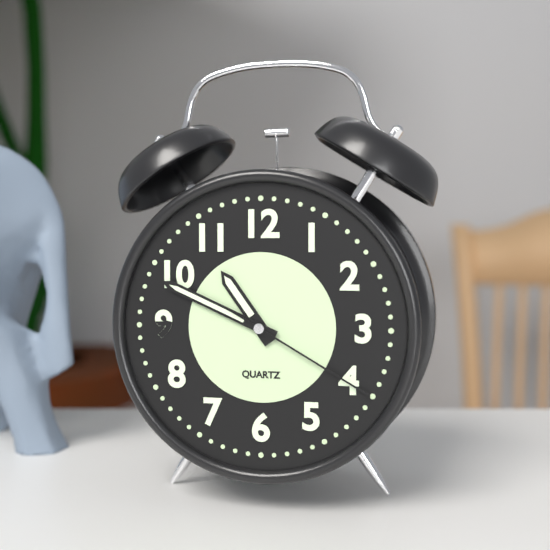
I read **10:49:20**
